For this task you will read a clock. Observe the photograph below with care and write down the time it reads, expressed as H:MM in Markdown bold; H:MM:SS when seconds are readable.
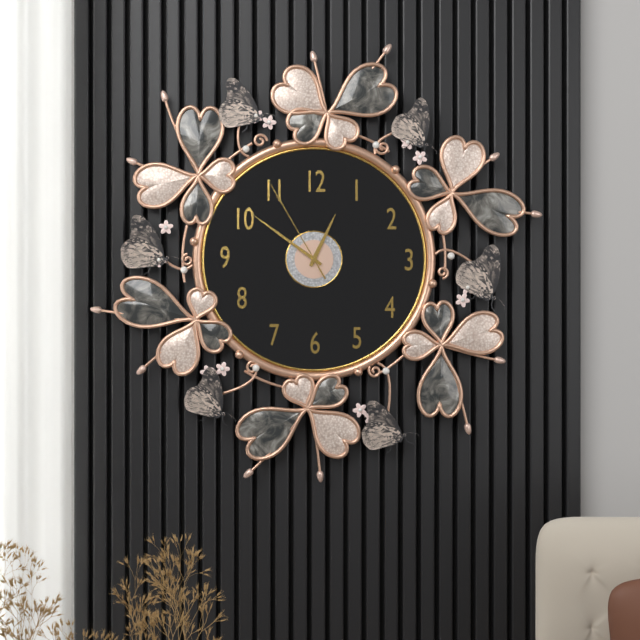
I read **12:51:55**
